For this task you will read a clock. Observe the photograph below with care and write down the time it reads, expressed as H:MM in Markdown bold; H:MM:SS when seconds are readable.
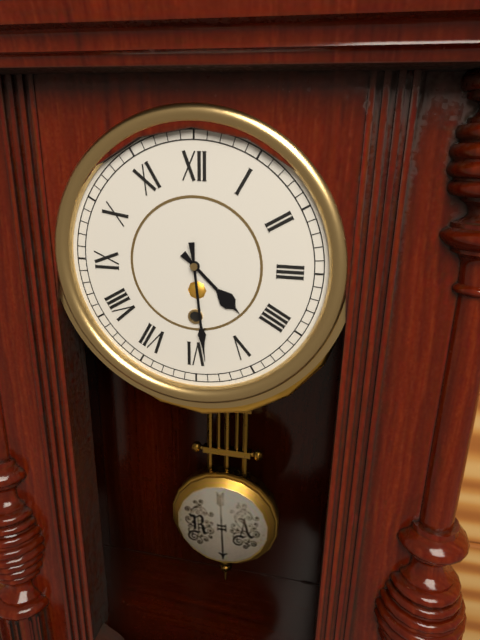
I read **4:29**
